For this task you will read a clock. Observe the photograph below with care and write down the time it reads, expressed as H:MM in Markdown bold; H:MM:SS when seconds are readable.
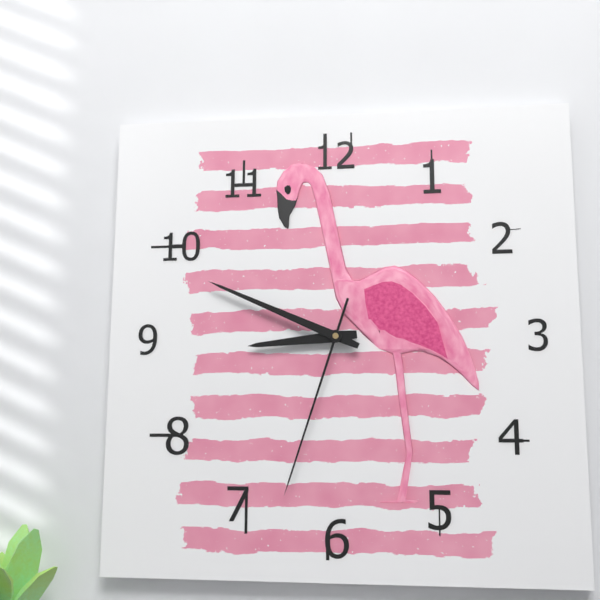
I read **8:49:33**
